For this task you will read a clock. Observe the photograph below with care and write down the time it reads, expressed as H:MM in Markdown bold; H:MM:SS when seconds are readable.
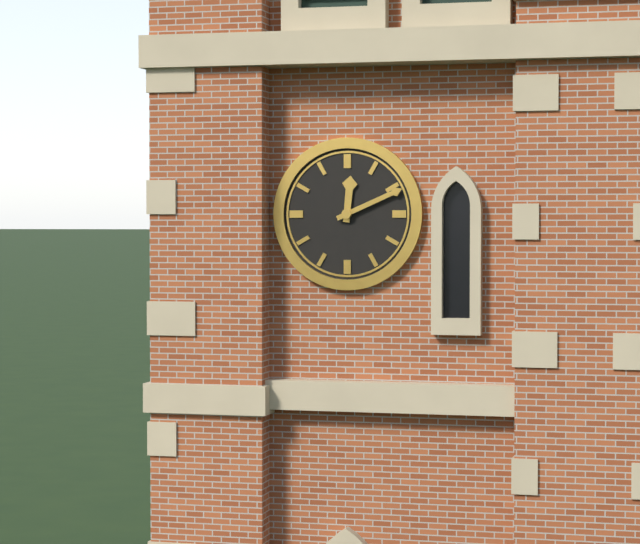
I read **12:11**
